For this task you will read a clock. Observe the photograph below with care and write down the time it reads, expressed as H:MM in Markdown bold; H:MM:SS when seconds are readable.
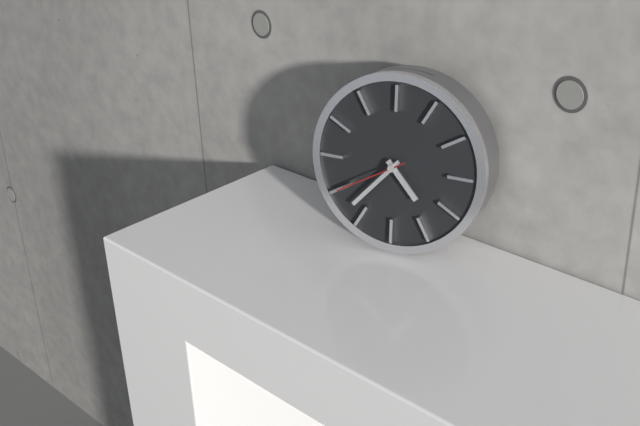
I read **4:37:40**
